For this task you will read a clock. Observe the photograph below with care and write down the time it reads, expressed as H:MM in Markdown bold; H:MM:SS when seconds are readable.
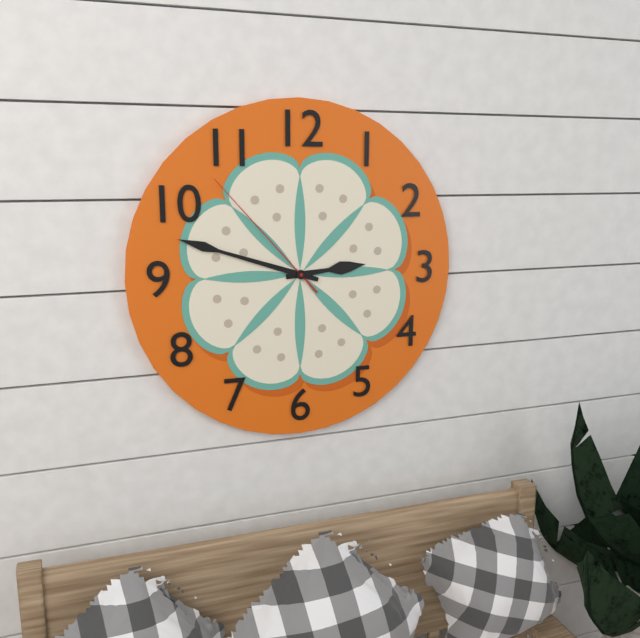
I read **2:48:53**
